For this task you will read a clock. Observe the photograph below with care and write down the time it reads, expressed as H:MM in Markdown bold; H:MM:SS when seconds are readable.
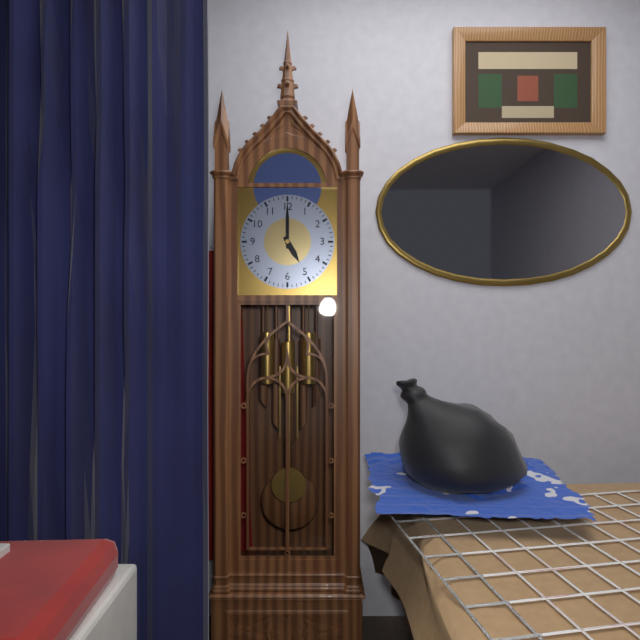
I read **5:00**
